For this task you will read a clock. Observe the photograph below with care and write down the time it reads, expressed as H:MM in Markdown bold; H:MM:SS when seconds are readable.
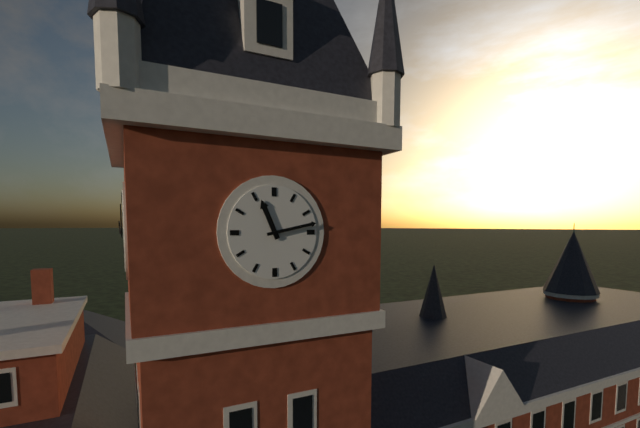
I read **11:13**
